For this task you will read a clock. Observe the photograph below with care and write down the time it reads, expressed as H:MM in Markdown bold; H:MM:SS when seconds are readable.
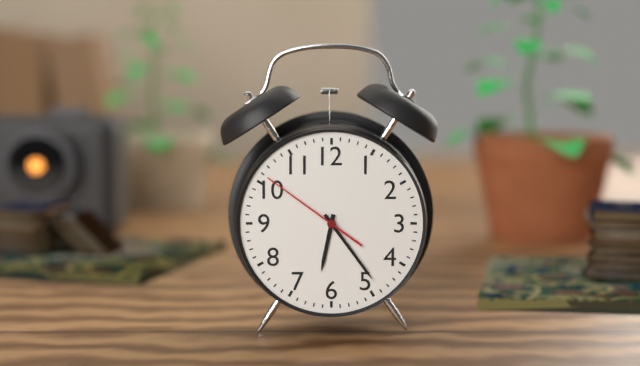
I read **6:24:51**
